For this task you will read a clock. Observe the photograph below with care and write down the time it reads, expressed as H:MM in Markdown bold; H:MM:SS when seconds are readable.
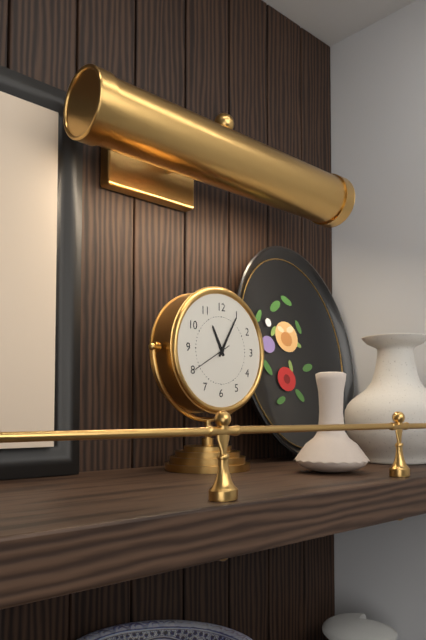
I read **11:05**
